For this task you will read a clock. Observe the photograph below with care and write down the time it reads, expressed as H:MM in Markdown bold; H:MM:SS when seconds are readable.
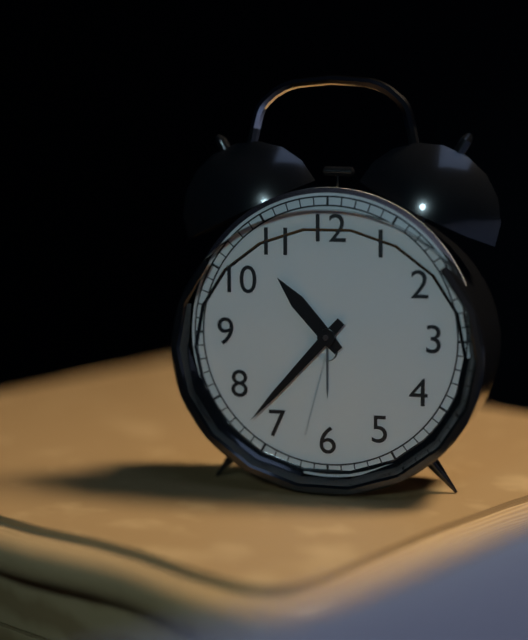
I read **10:37**
